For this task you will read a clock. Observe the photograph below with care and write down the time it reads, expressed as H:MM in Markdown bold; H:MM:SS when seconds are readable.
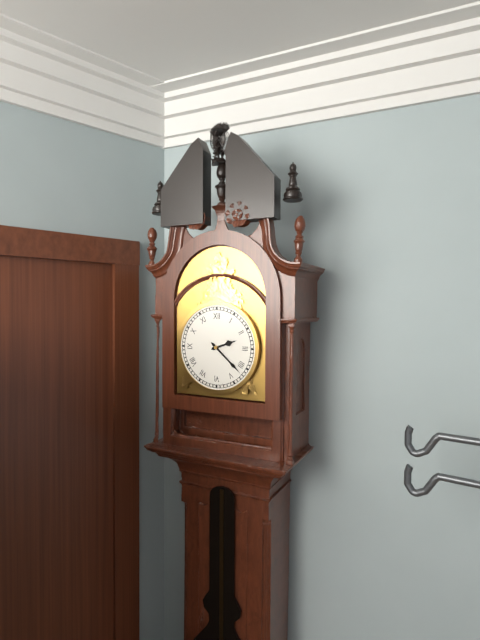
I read **2:22**
